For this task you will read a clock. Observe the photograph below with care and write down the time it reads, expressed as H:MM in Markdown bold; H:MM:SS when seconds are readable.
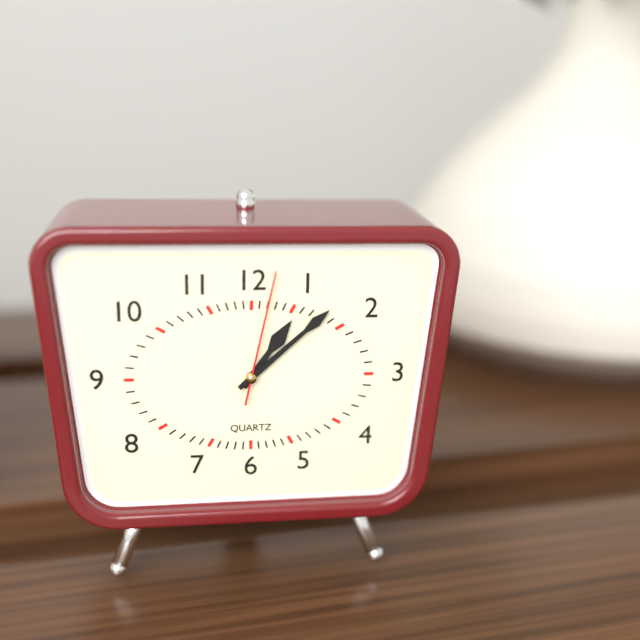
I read **1:08:02**
